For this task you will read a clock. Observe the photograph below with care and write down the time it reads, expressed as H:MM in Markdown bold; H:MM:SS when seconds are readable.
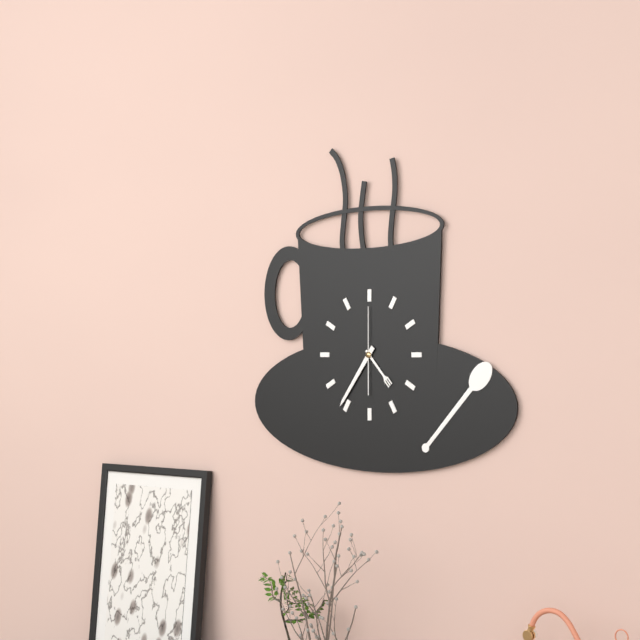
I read **4:36:00**
